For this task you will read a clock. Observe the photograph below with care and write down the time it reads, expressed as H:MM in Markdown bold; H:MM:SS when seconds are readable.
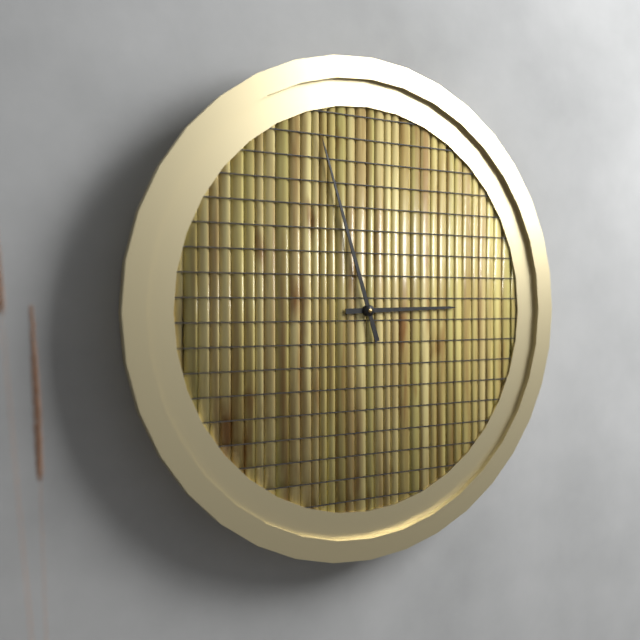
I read **2:57**
